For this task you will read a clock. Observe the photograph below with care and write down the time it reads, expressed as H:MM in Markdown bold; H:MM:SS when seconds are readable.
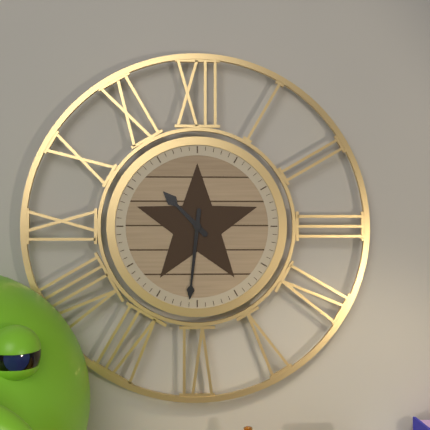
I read **10:31**
